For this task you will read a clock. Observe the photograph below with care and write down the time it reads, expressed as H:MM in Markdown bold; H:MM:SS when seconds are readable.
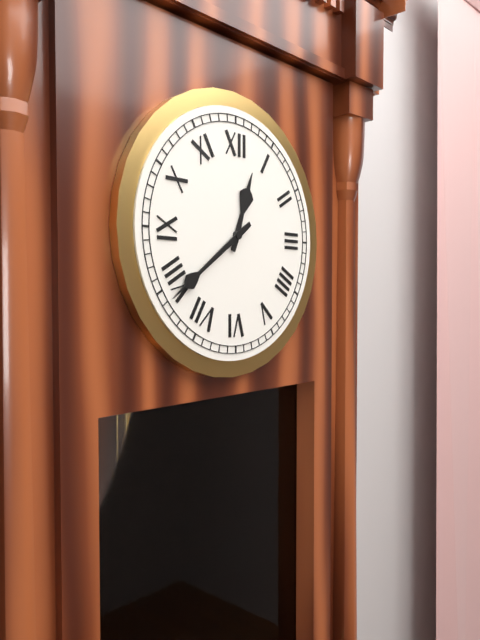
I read **12:39**
